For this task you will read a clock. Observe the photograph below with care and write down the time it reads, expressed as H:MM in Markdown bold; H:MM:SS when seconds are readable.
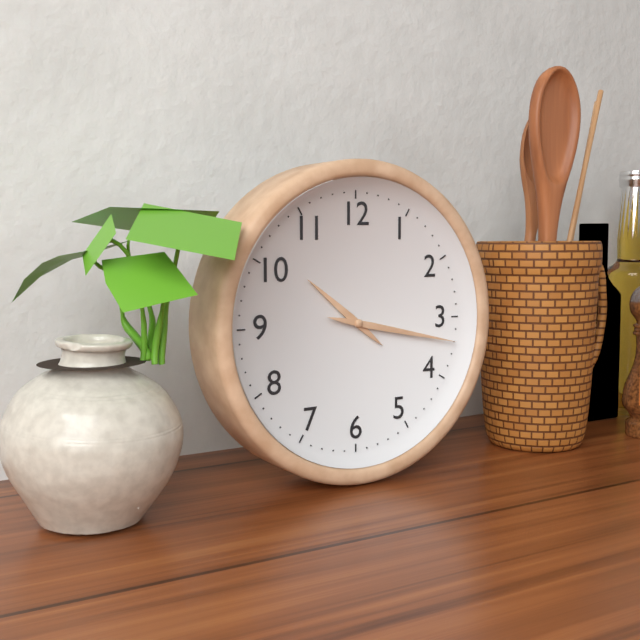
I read **10:17**
